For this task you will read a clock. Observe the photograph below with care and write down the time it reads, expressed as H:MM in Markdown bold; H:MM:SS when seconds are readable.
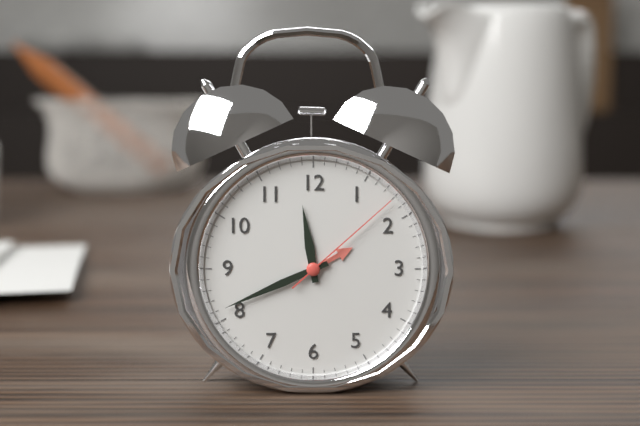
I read **11:41:08**
